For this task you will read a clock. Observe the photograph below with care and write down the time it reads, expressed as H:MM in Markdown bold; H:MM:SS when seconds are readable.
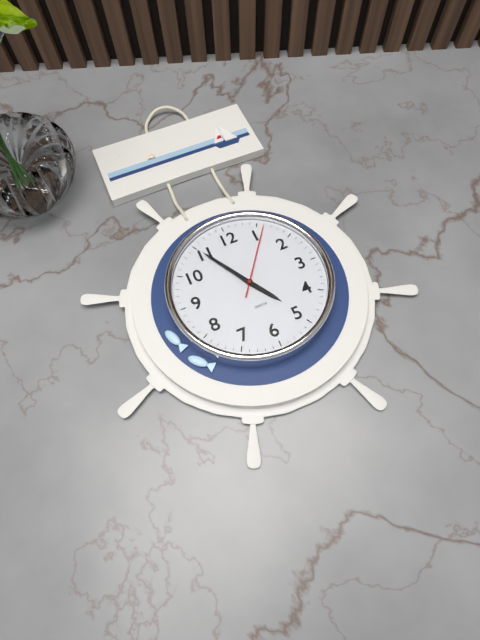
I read **4:55:06**
